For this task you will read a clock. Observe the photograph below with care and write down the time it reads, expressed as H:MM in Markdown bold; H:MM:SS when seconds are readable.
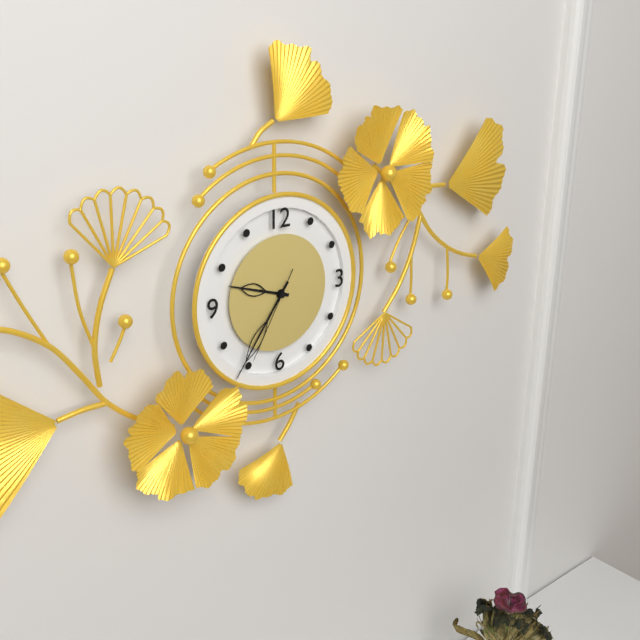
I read **9:36:35**
